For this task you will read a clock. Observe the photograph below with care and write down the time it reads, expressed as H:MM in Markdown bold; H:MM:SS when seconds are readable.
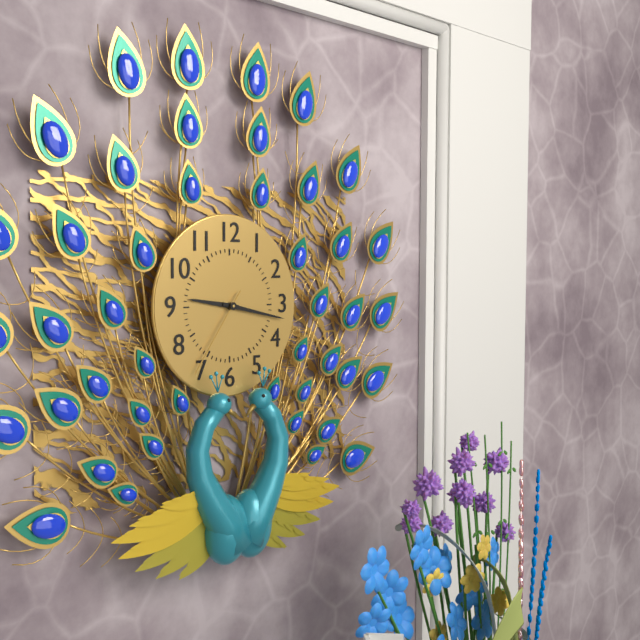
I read **9:17:36**
